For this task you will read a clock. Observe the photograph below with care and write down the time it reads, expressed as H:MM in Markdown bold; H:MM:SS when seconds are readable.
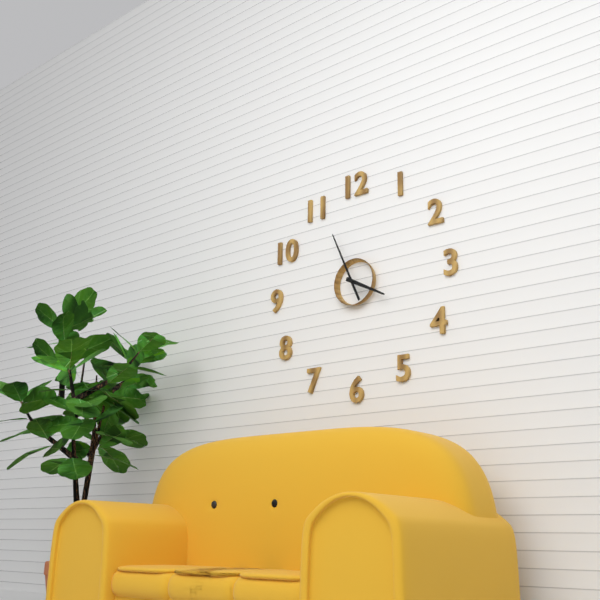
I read **3:56**
